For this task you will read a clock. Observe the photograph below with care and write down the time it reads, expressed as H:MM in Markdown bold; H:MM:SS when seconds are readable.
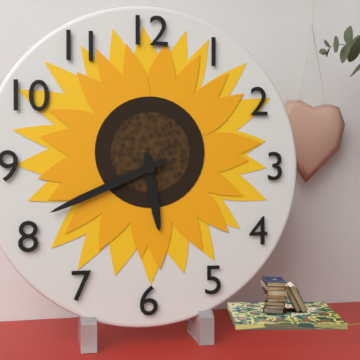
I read **5:41**
